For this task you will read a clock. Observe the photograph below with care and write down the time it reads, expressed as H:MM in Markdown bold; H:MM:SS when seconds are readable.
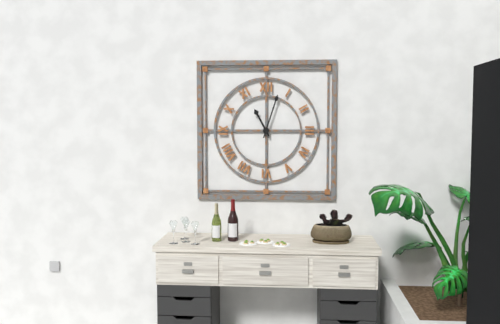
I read **11:03**
